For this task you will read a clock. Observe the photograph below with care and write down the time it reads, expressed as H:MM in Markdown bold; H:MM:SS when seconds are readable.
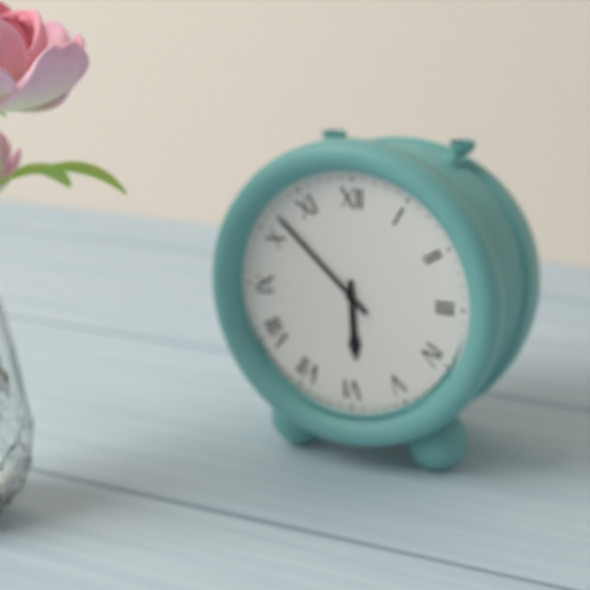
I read **5:52**
